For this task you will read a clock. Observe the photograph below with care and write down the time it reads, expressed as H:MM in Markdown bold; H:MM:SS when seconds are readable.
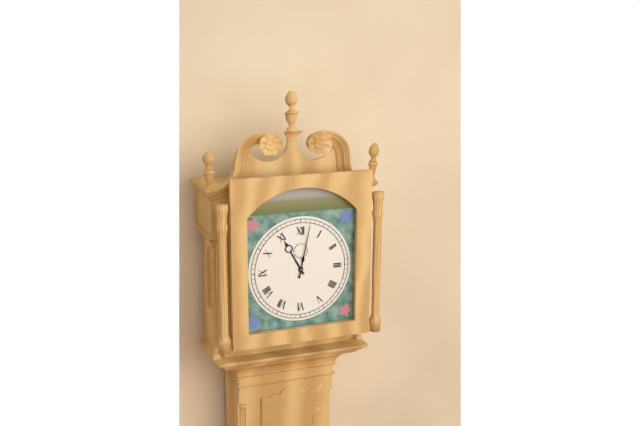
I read **11:02**
